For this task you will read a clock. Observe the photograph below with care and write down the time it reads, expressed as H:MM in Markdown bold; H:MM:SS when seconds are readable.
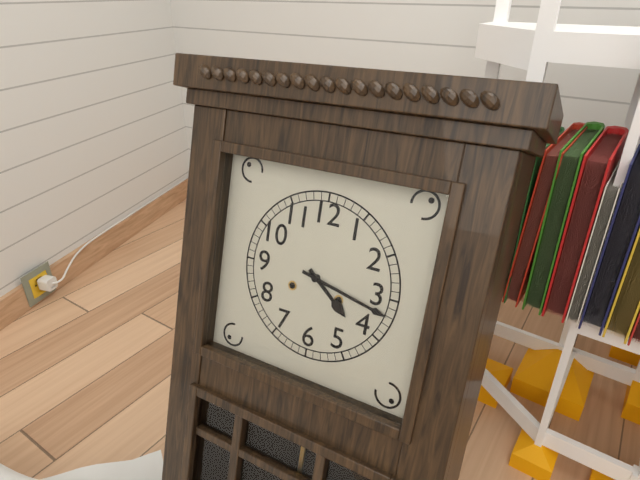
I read **4:17**
